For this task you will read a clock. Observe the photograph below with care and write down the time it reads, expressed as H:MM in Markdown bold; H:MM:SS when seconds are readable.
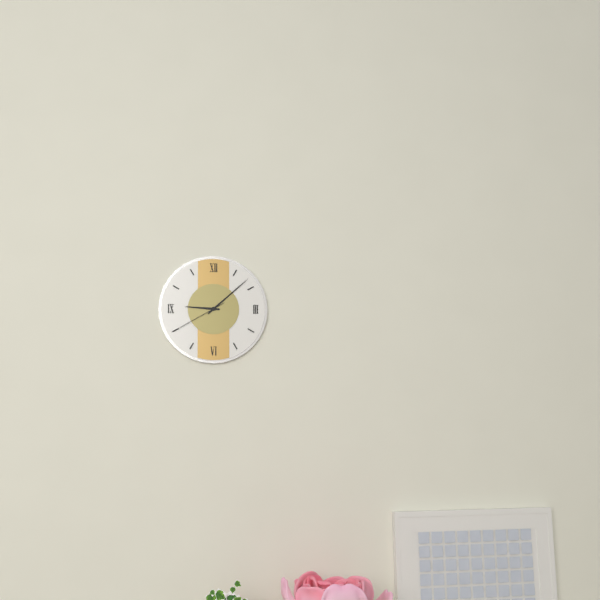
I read **9:08:40**
